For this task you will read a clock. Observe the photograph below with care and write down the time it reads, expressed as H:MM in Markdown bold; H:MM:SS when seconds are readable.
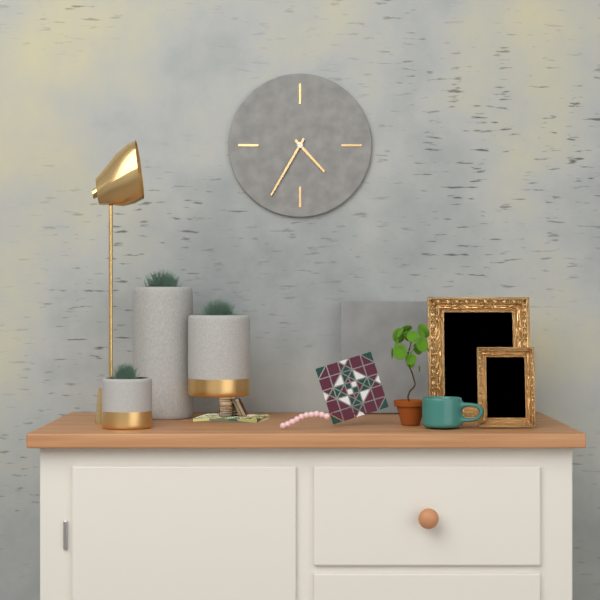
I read **4:35**
